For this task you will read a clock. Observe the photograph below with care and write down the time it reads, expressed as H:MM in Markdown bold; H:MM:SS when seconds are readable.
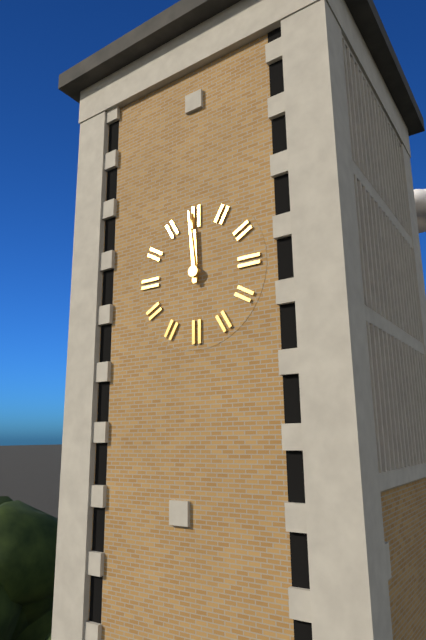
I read **11:59**
